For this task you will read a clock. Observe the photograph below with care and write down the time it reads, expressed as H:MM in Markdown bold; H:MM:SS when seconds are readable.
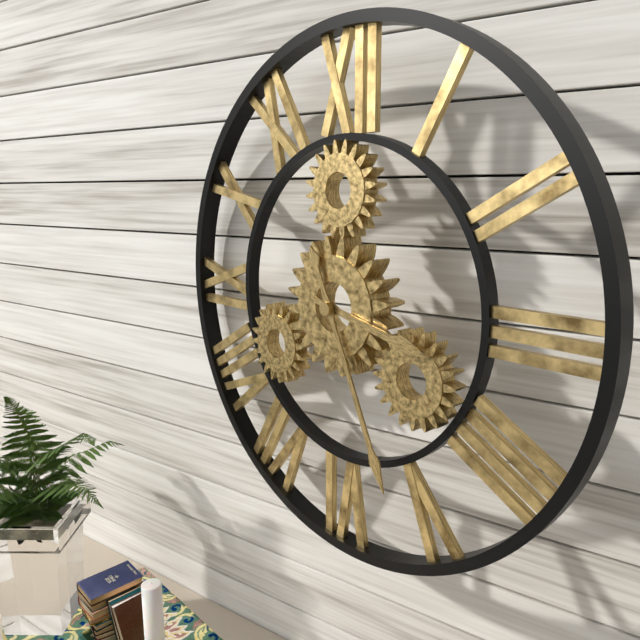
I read **3:26**
